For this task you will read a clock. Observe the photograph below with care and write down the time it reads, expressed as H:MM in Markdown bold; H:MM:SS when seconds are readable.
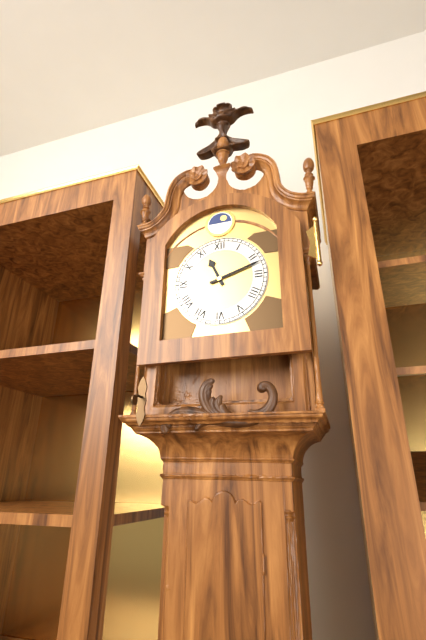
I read **11:12**
